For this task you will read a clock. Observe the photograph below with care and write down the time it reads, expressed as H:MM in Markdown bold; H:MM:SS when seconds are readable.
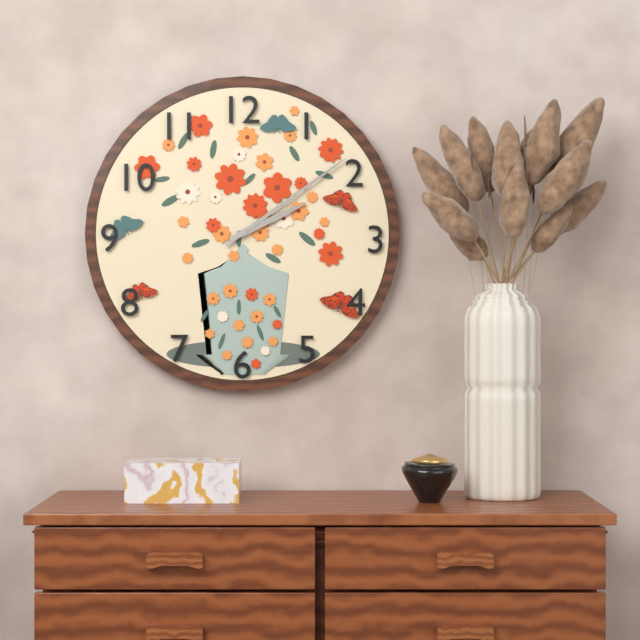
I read **2:09**
